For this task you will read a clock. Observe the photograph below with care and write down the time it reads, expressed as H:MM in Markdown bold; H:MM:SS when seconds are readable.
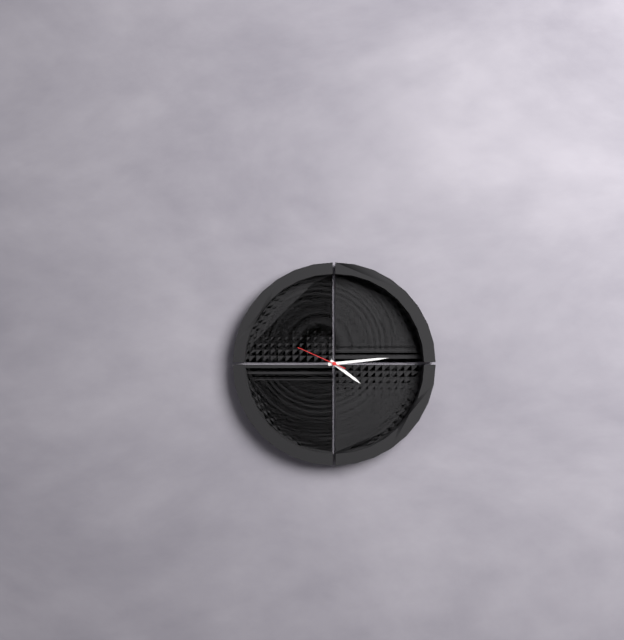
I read **4:14:49**
